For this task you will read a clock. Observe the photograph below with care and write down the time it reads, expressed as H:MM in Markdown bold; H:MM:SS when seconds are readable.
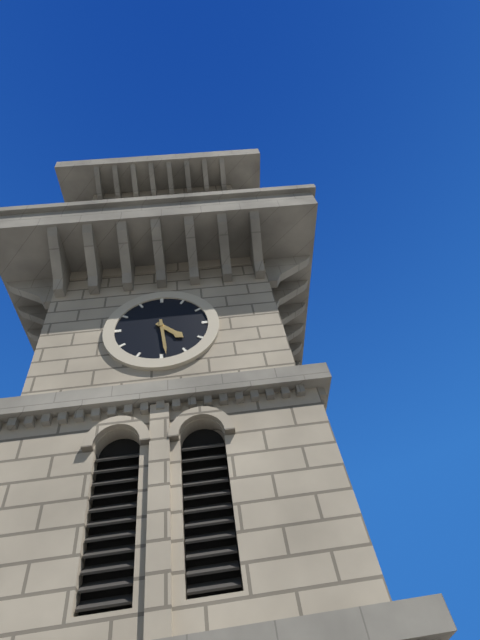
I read **4:29**
